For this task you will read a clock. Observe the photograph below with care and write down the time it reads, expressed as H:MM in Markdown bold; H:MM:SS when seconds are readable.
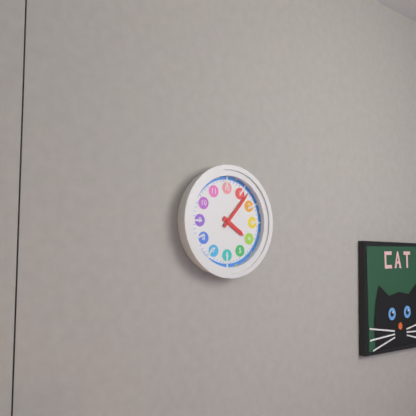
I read **4:07**
